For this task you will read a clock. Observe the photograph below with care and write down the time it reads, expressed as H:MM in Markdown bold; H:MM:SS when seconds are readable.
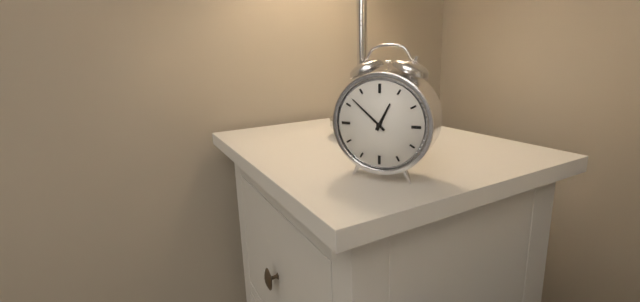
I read **12:52**
